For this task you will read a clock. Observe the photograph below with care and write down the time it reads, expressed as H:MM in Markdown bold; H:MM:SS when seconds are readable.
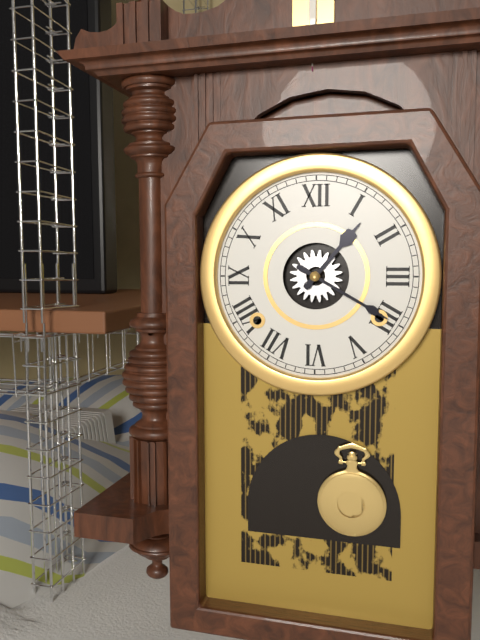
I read **1:20**
